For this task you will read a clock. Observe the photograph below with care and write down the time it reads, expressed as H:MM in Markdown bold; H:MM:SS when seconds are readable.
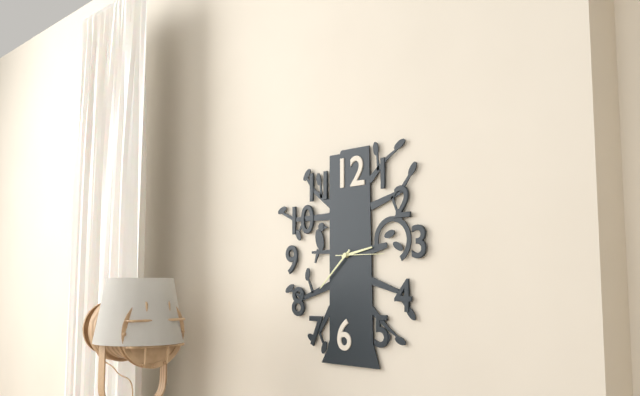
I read **2:38**
